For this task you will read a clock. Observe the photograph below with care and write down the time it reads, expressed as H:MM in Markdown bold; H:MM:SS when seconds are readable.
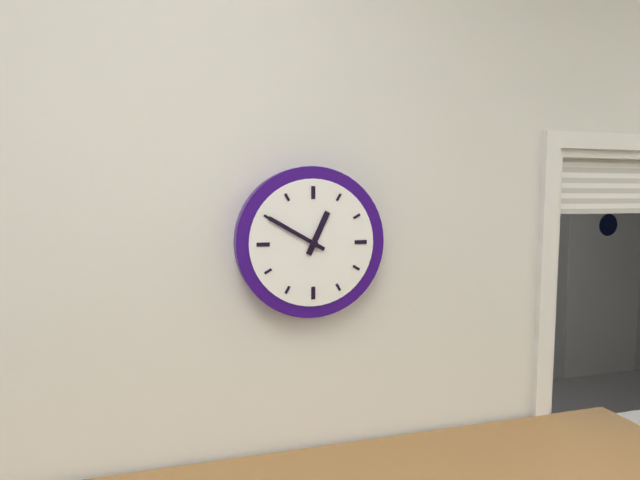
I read **12:50**
